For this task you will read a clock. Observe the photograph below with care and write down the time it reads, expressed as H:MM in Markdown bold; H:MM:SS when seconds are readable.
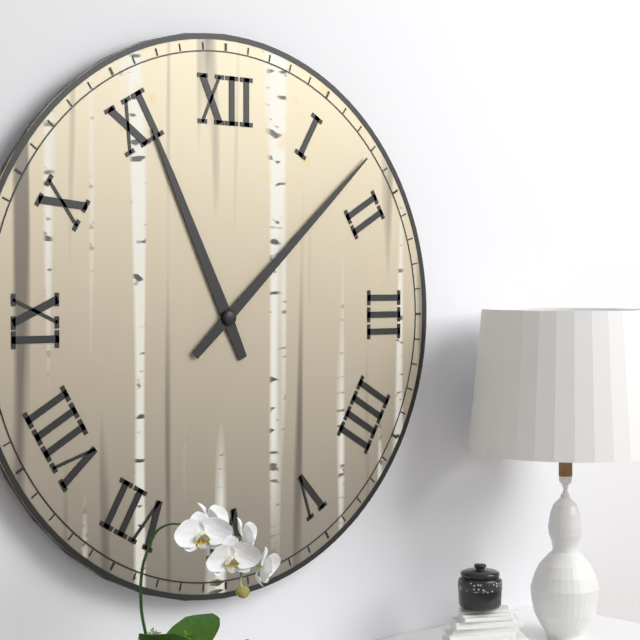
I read **11:08**
